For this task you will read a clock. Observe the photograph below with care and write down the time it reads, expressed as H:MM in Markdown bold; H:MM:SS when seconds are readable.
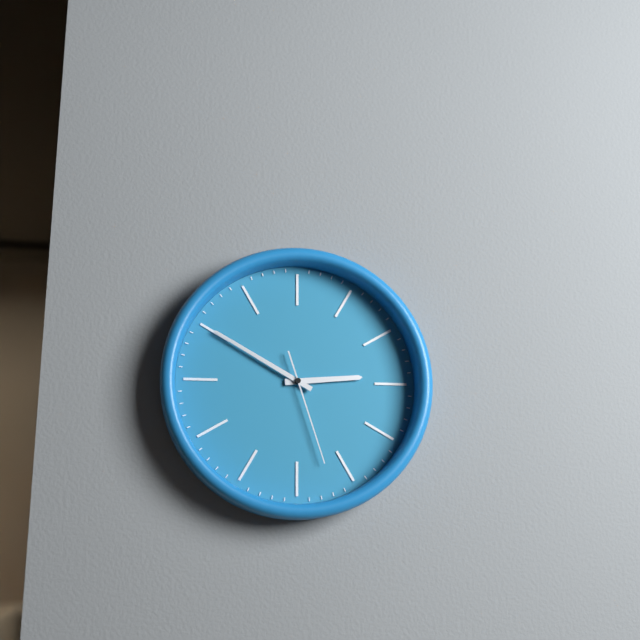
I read **2:50:27**
